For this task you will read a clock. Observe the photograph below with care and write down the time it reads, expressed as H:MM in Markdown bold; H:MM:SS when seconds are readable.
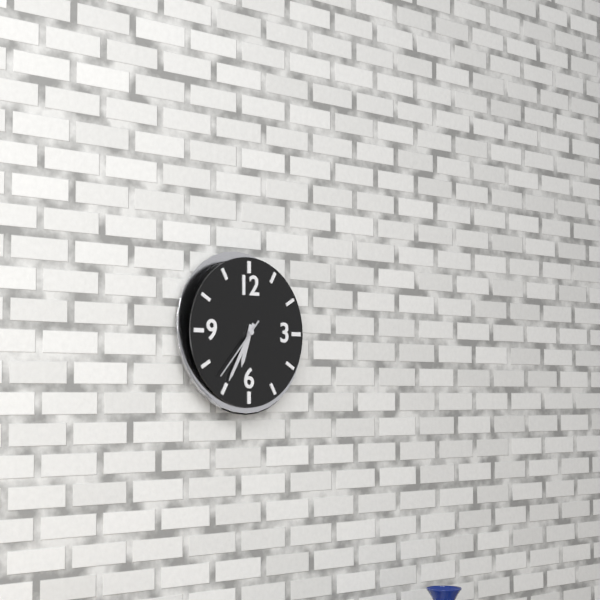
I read **6:35:37**
